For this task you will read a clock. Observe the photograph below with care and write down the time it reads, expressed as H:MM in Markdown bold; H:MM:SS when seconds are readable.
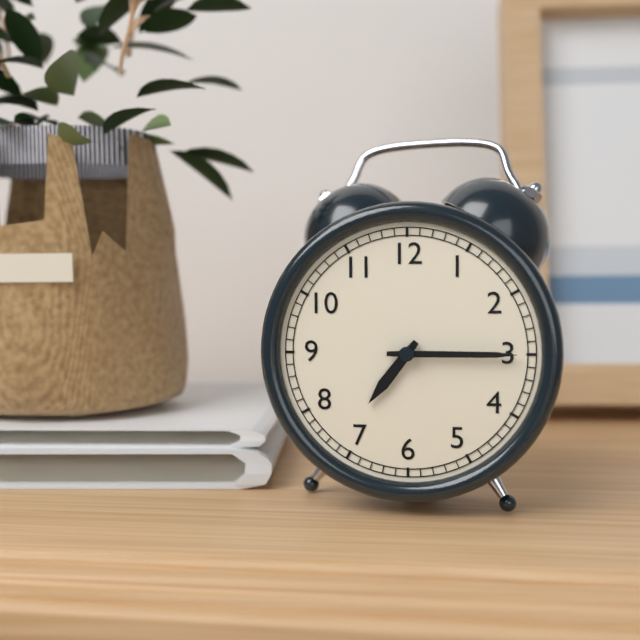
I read **7:15**
